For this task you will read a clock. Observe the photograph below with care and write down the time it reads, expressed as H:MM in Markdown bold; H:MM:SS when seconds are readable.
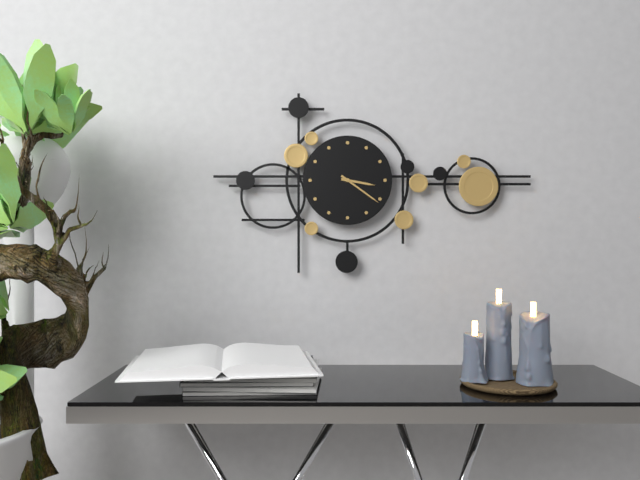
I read **3:21**
